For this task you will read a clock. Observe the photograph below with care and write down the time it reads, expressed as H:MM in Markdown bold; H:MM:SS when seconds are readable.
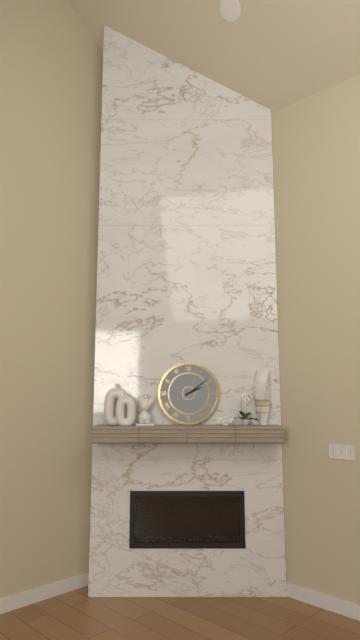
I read **2:09**
